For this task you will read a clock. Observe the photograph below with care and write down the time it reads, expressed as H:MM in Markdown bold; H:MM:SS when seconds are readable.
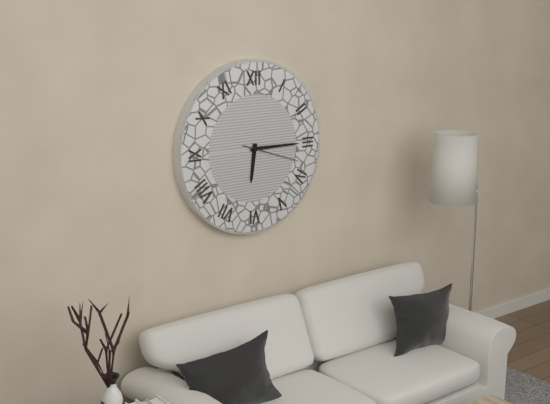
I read **6:15:18**
